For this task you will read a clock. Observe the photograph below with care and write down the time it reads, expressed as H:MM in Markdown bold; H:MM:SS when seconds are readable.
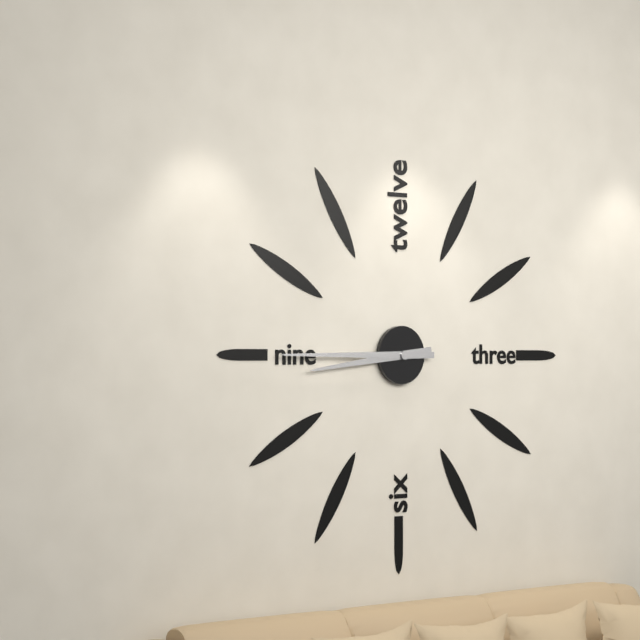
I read **8:45**
